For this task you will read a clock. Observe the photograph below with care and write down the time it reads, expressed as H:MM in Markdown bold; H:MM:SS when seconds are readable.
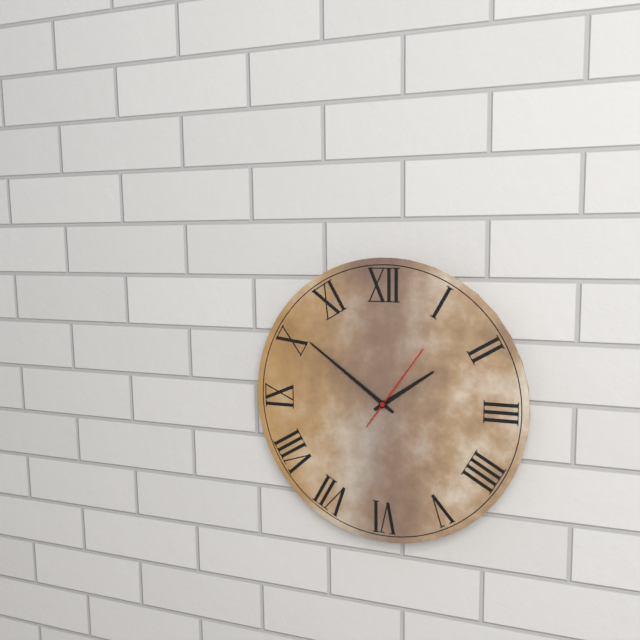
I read **1:51:06**
